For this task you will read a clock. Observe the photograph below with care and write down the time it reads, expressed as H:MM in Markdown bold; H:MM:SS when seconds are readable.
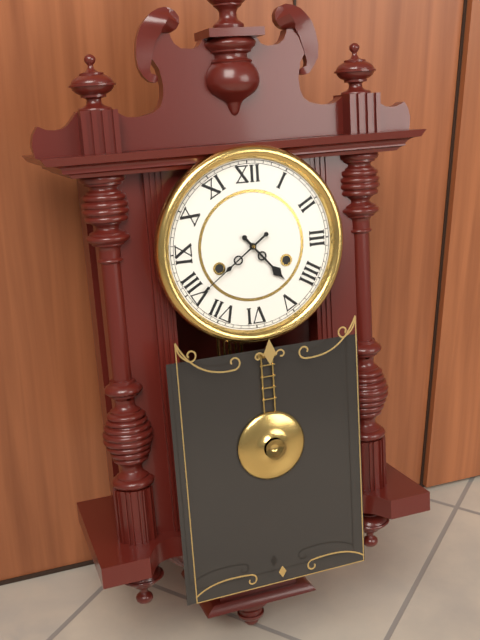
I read **4:39**
